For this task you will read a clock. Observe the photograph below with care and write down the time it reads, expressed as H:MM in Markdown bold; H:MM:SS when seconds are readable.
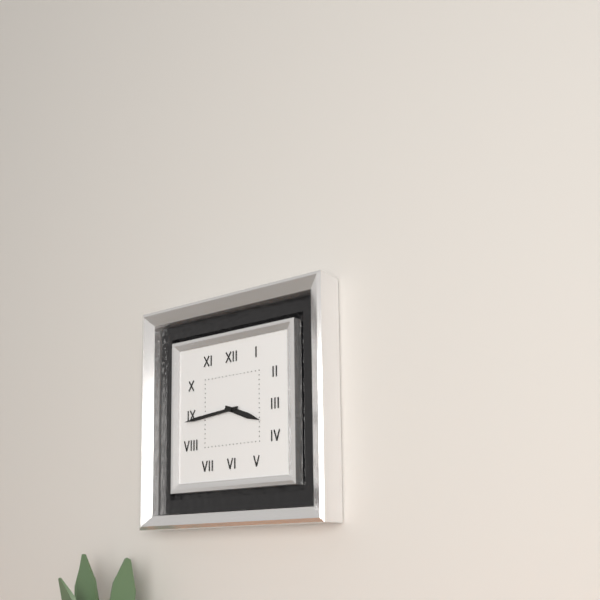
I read **3:44**
